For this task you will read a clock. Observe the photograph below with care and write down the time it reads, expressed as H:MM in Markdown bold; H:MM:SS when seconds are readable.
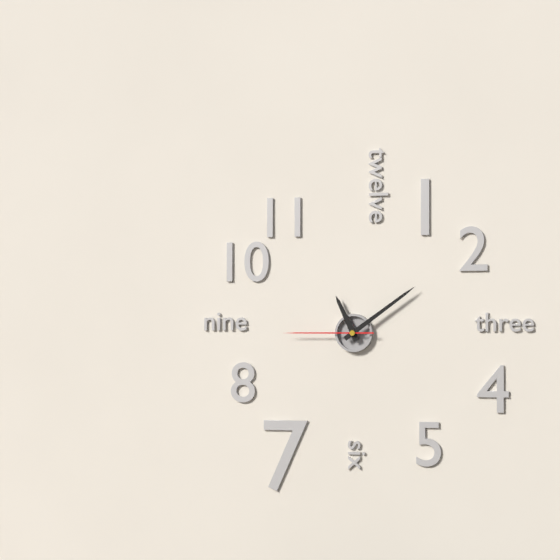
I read **11:09:45**
